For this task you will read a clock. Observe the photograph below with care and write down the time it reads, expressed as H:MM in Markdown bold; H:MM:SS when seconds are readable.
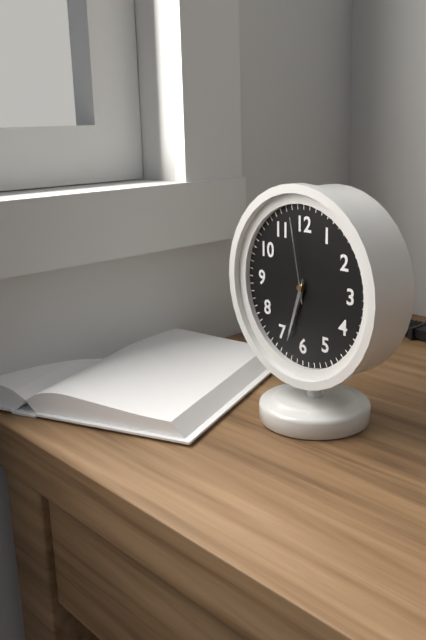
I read **6:33:58**
